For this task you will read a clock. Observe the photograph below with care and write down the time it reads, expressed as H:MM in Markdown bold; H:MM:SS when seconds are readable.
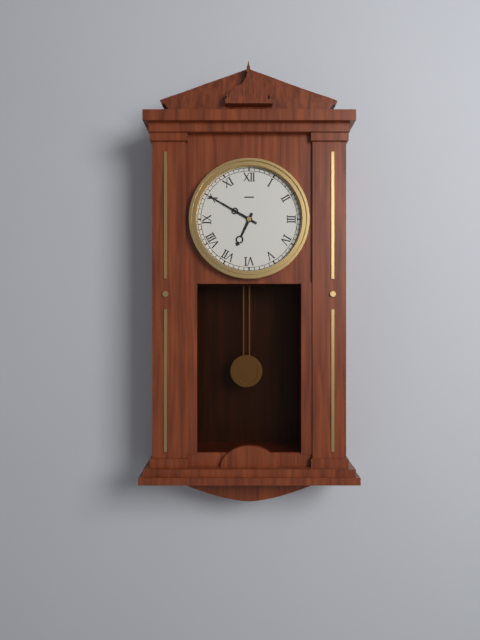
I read **6:50**
